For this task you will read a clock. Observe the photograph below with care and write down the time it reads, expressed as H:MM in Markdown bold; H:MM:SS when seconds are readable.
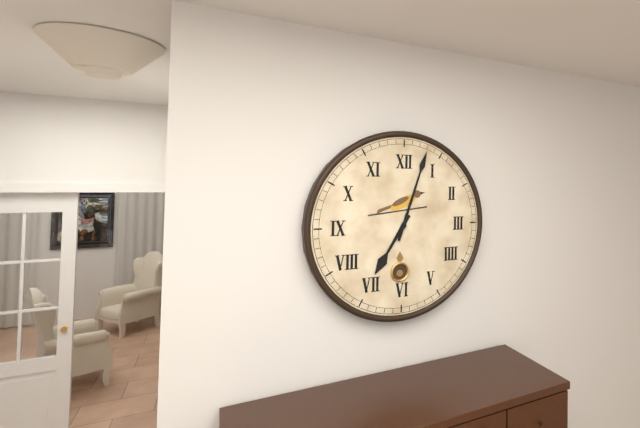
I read **7:03**
